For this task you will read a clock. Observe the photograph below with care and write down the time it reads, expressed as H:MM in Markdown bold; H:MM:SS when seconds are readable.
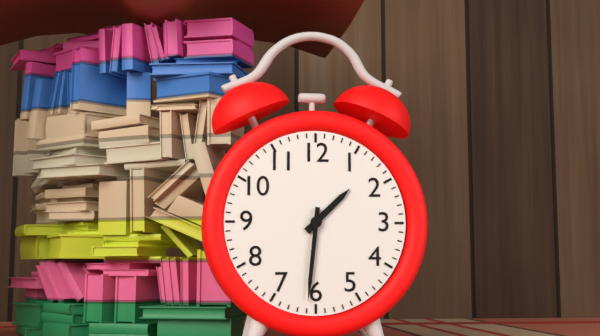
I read **1:31**
